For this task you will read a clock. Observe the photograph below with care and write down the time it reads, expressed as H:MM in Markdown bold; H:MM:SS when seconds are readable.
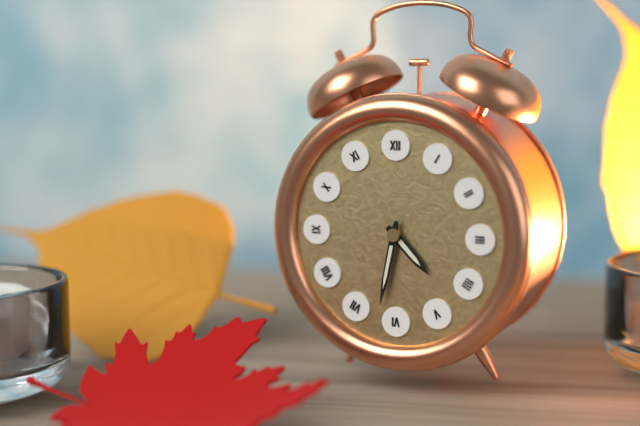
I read **4:32**
